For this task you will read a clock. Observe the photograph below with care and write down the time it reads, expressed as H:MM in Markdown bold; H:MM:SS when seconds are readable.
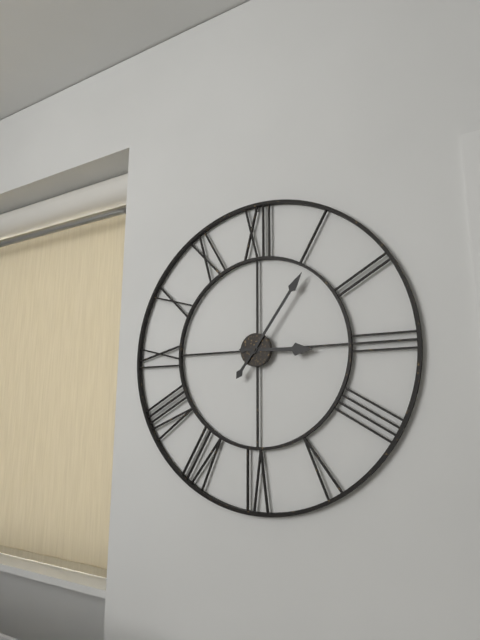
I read **3:06**
